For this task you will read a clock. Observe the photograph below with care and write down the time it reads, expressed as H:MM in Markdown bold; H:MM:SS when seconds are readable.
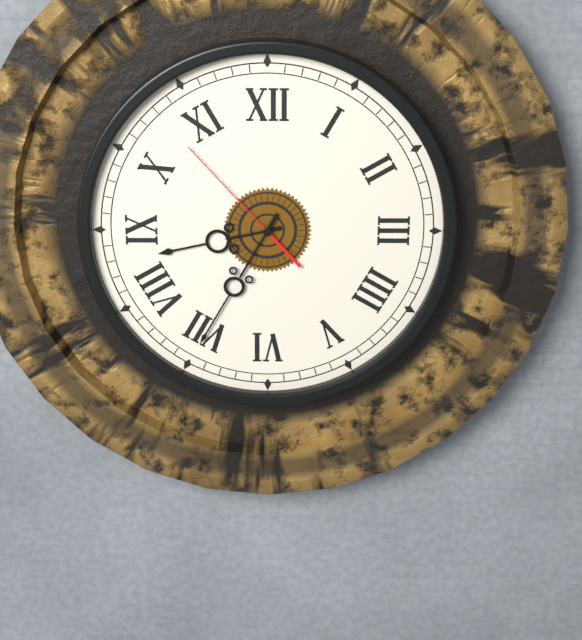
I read **8:35:53**
